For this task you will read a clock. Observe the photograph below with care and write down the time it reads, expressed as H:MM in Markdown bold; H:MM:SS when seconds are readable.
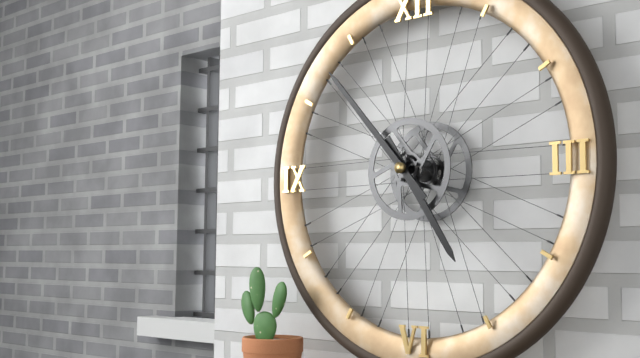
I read **4:53**
